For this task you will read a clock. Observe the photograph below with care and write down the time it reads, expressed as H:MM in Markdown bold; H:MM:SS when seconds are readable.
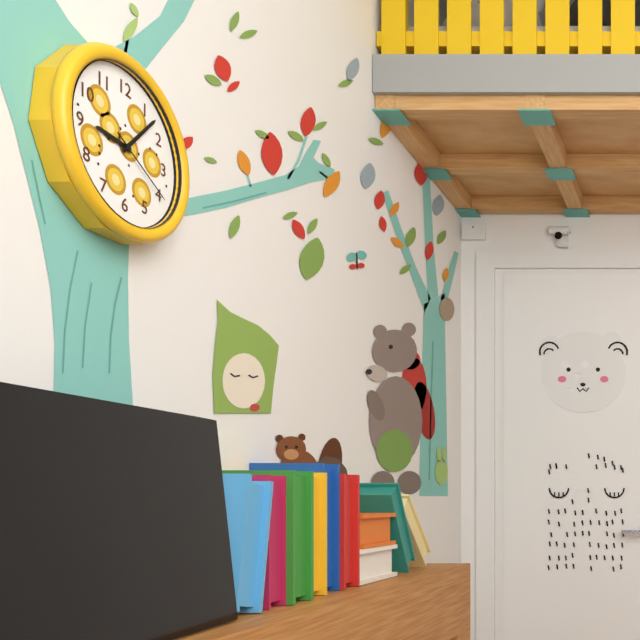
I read **9:07:20**
